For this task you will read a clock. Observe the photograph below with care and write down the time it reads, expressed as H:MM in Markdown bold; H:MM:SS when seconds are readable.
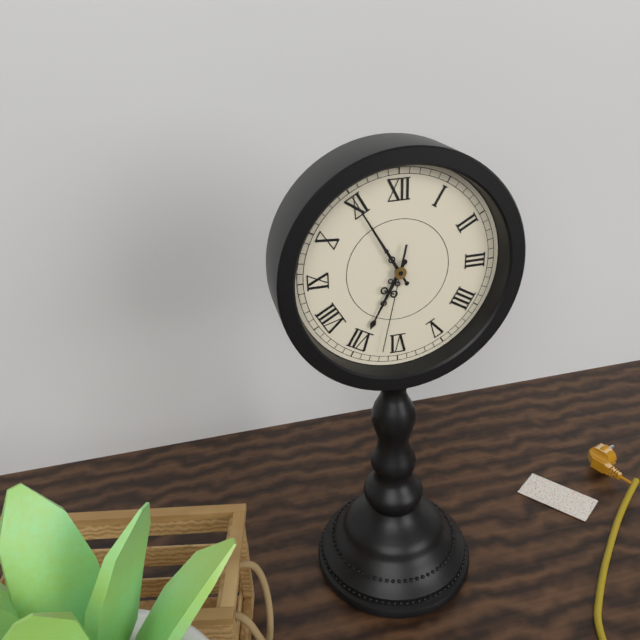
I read **6:55:32**
